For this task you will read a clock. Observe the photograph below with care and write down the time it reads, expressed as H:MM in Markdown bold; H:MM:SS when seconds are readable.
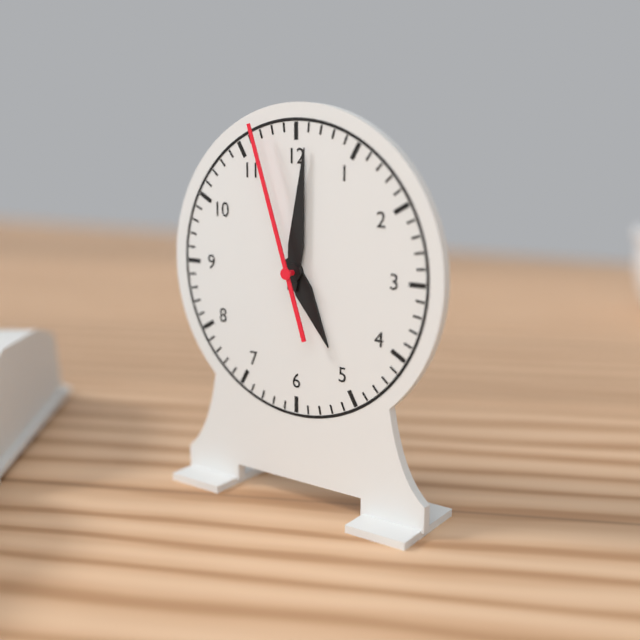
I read **5:01:57**
